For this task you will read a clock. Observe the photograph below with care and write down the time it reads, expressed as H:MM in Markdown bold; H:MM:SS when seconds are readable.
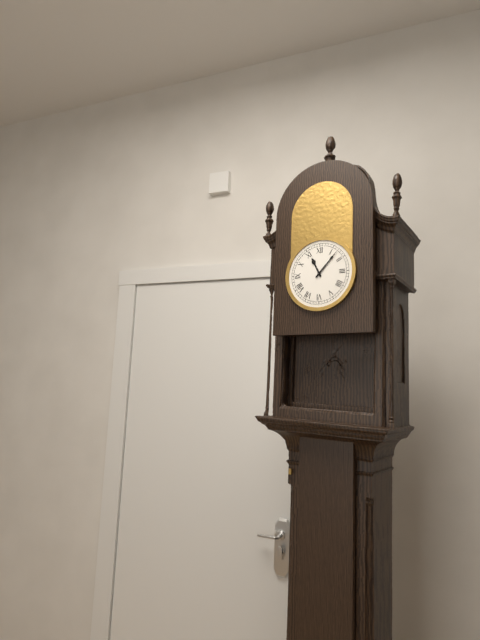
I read **11:07**
